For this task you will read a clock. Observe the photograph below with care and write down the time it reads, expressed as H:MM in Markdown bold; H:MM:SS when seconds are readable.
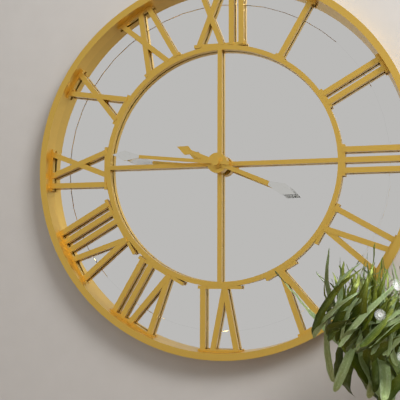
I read **3:46**
